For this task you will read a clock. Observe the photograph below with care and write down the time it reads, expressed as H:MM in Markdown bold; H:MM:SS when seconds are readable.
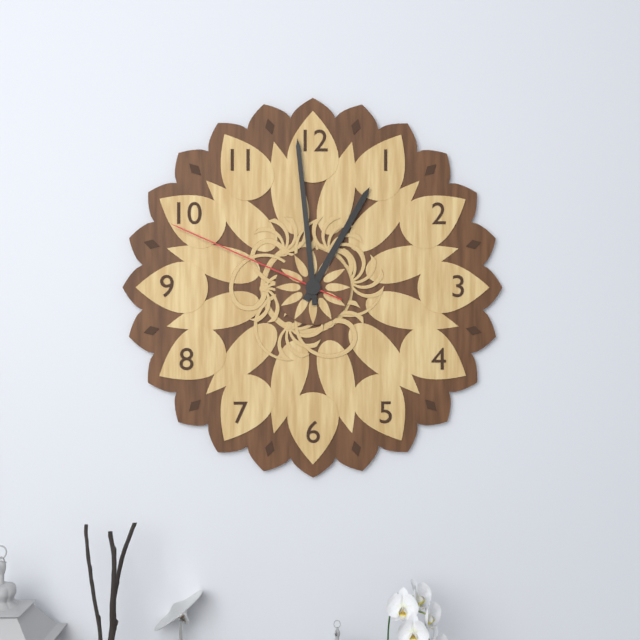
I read **12:59:49**
